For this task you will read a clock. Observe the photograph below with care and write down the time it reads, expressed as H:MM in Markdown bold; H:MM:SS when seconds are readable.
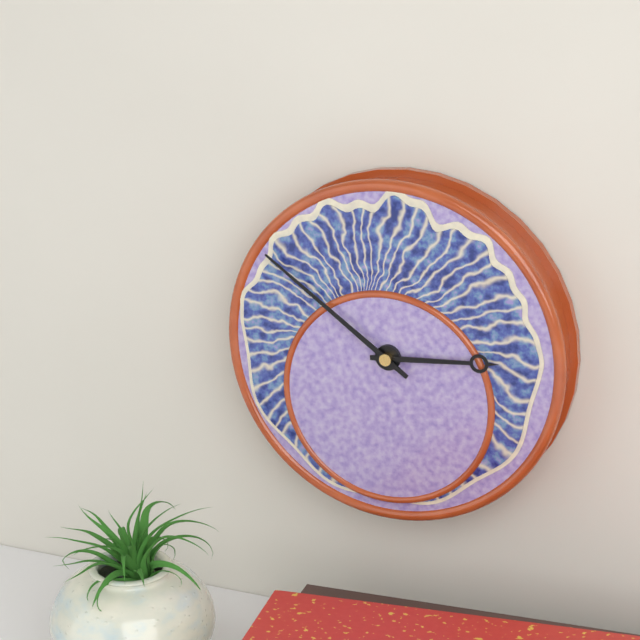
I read **2:51**
